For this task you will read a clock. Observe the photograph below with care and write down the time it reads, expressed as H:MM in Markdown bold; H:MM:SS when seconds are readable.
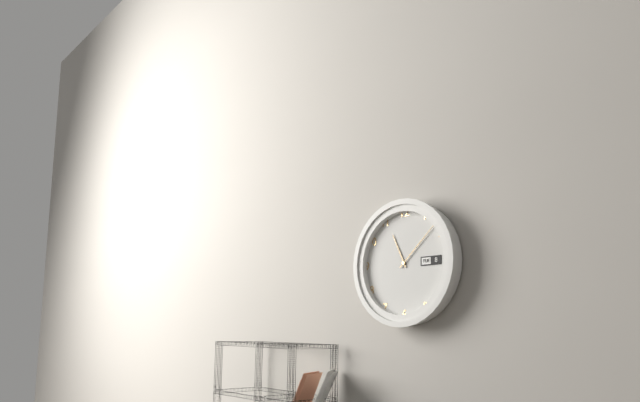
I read **11:08**
